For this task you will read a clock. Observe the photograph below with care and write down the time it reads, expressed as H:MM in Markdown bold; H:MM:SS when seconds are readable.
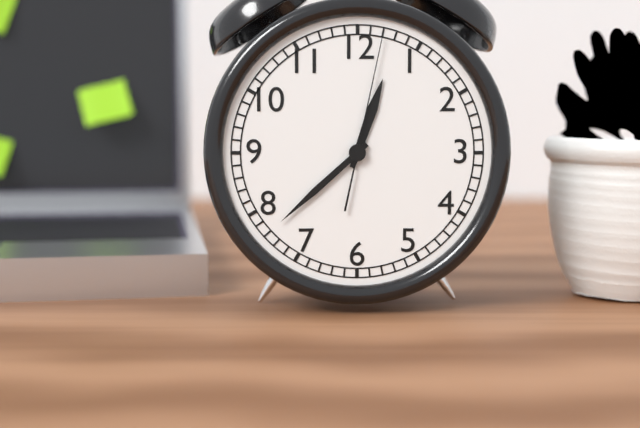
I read **12:38:02**
